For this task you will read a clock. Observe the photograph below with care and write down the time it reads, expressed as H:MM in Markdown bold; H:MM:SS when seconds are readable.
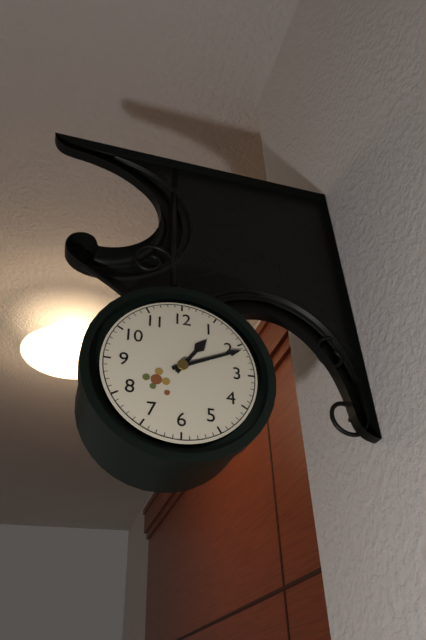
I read **1:11**
